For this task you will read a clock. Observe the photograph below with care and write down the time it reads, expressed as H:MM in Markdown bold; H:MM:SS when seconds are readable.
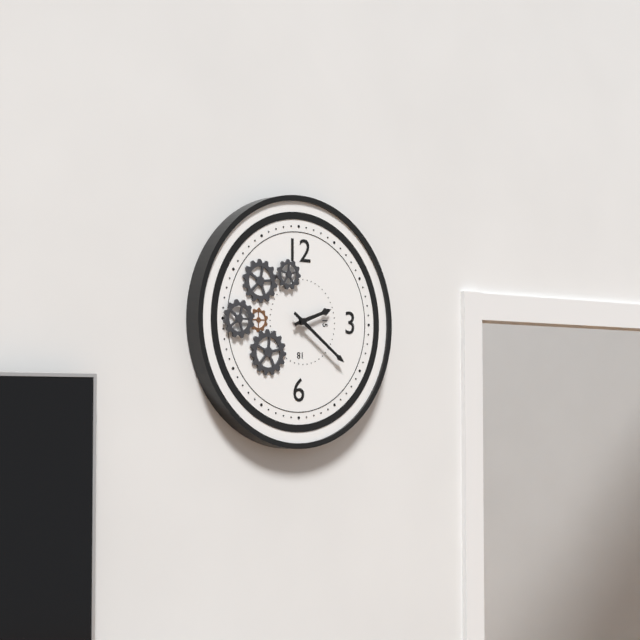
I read **2:21**
